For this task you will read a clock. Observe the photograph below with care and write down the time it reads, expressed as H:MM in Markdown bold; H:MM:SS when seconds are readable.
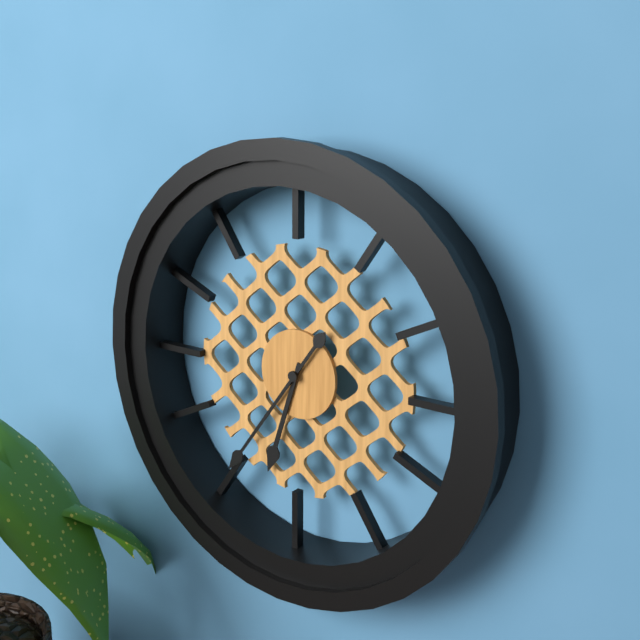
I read **6:36**
